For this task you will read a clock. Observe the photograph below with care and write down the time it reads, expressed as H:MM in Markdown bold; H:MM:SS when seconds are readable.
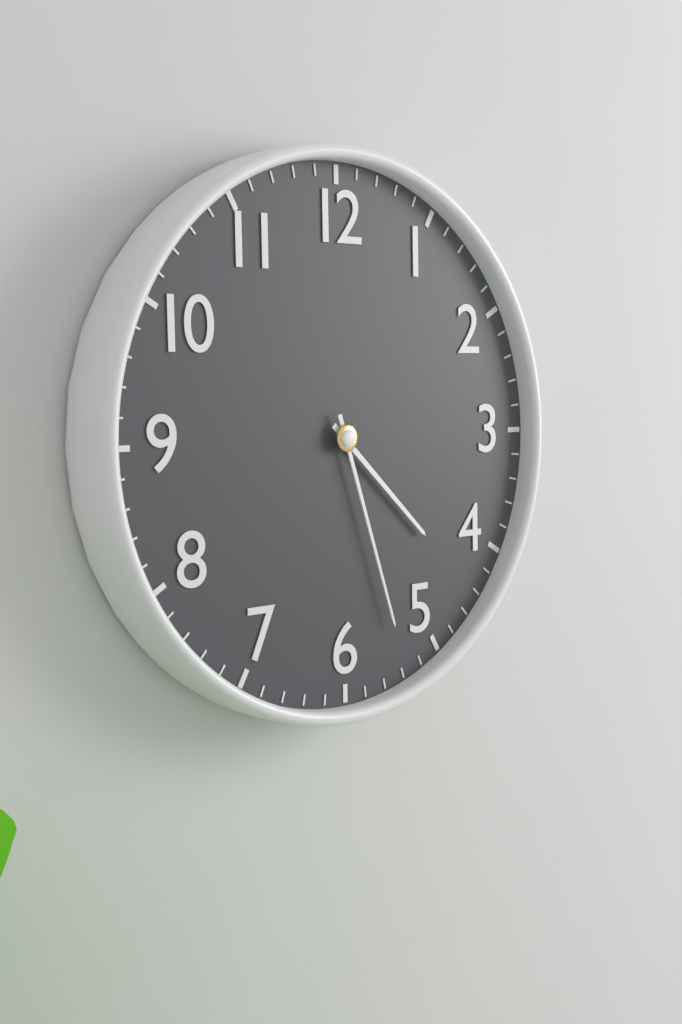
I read **4:27**
